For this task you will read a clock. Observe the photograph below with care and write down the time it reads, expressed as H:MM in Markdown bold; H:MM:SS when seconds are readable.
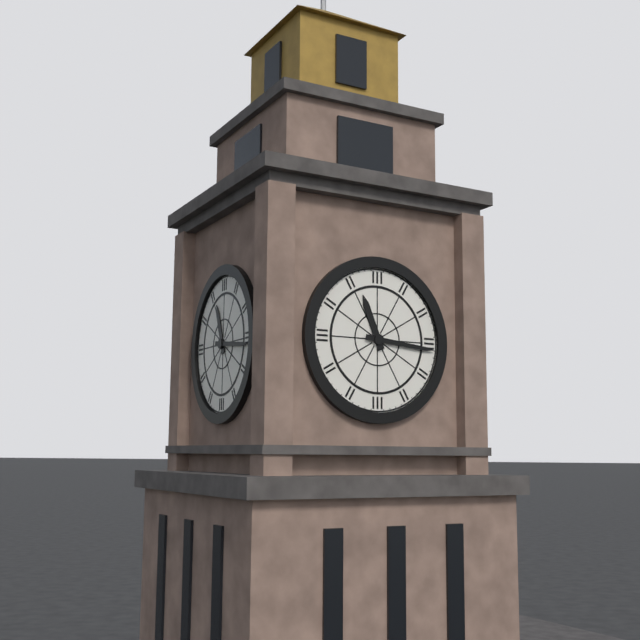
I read **11:16**
